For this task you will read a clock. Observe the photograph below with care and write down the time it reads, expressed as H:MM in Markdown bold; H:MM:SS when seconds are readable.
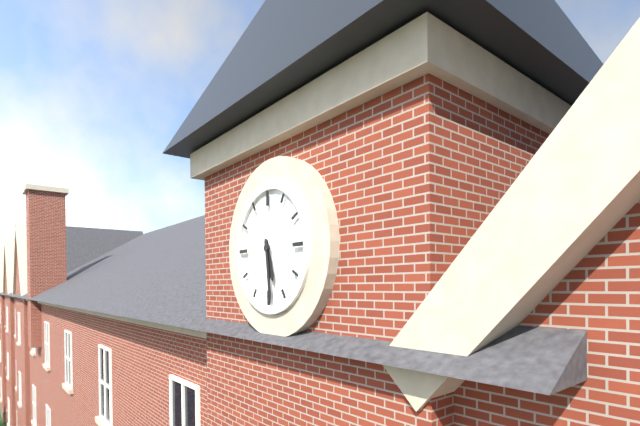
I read **5:29**
